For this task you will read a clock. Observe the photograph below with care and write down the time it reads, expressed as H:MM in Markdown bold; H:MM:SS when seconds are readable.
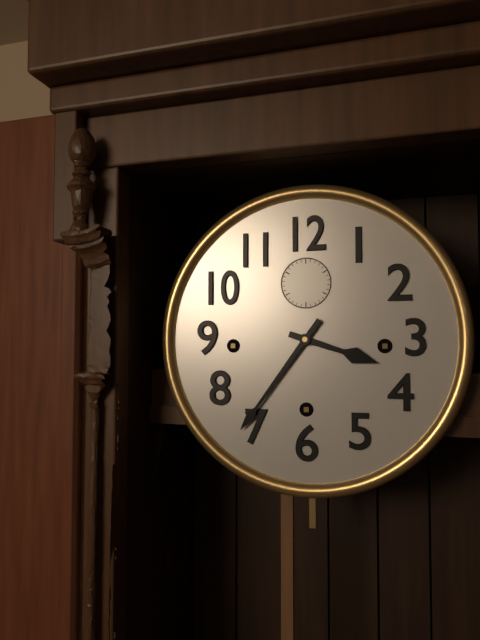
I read **3:36**
